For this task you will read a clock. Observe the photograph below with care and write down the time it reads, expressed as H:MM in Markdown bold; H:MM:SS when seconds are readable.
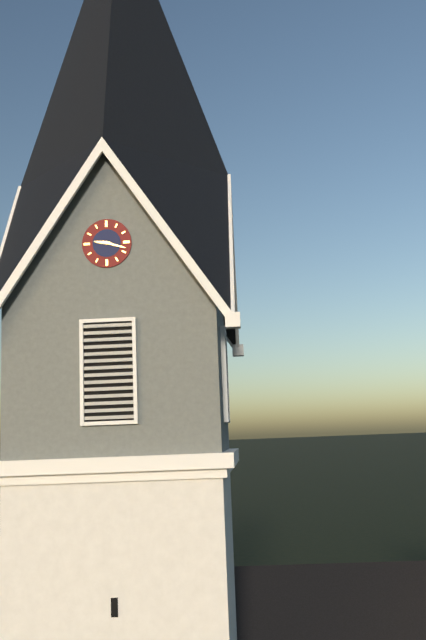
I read **9:18**
